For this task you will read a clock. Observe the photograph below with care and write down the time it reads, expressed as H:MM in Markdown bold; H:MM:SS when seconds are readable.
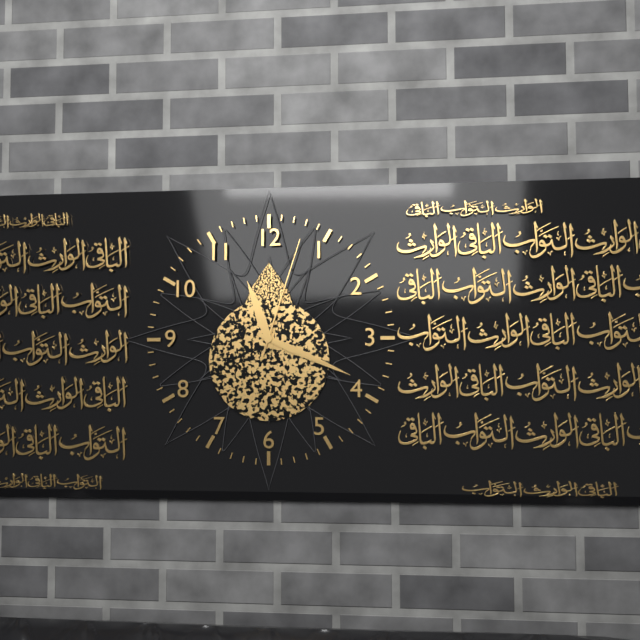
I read **11:19:03**
